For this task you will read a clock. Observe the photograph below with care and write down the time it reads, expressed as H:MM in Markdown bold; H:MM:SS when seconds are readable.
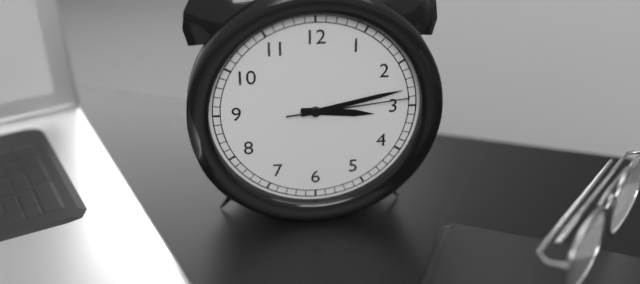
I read **3:13:14**
